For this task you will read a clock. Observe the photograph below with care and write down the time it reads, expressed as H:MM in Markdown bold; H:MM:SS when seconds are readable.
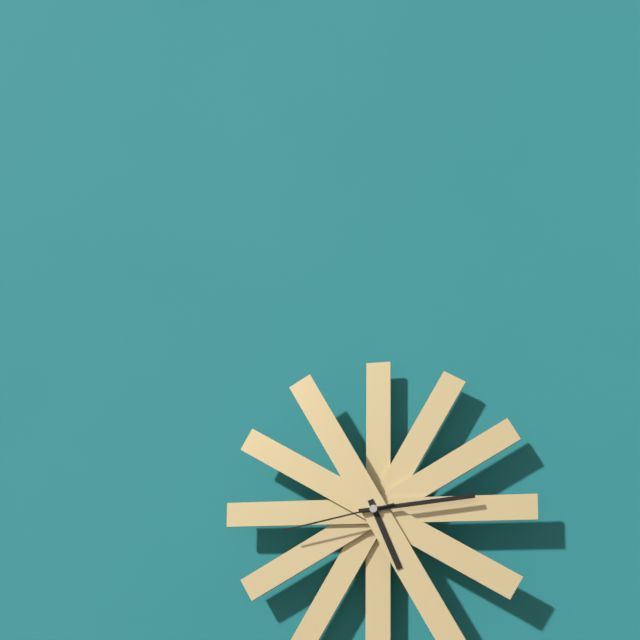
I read **5:14:43**
